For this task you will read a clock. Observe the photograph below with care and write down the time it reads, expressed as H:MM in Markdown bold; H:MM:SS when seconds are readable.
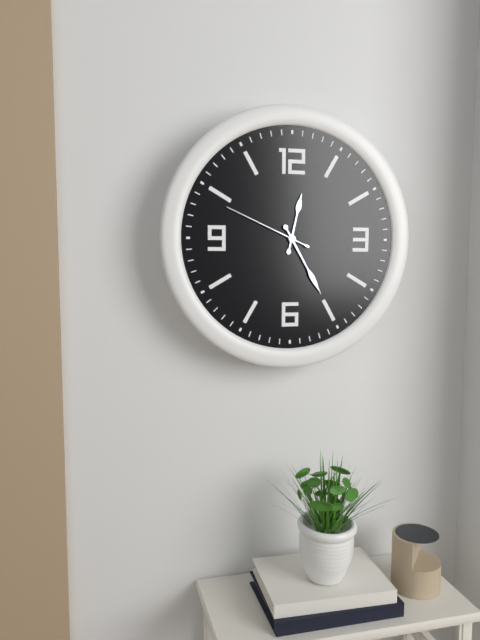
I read **12:25:49**
